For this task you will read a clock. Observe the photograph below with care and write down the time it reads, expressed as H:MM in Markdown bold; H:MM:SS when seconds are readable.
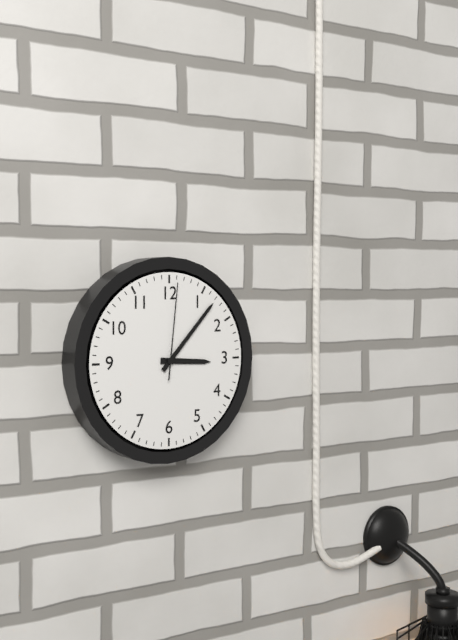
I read **3:07:01**
